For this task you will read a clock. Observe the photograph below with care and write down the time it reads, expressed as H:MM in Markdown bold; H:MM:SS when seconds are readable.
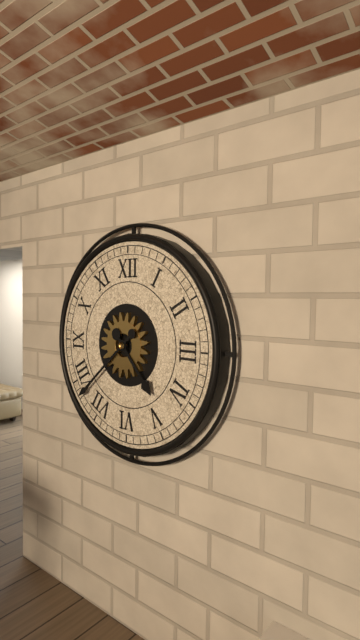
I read **4:38**
